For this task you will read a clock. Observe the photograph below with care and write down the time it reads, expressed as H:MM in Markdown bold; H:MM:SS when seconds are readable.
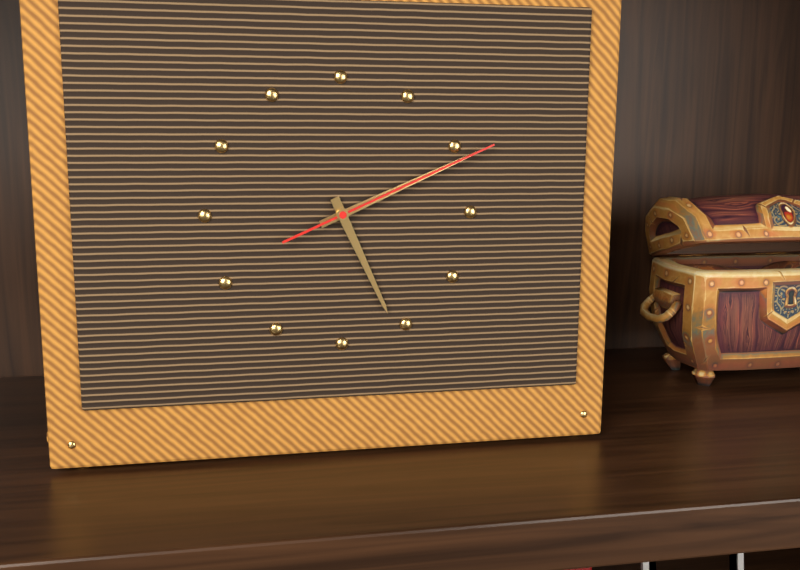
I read **5:11:11**
